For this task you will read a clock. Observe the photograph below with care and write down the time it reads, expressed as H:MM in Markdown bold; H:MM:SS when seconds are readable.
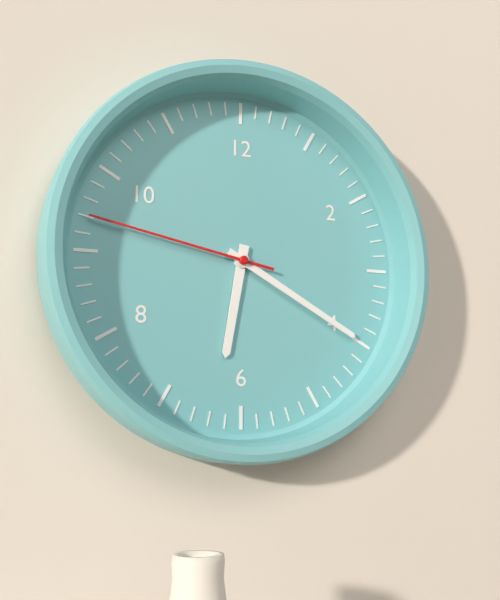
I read **6:20:47**
